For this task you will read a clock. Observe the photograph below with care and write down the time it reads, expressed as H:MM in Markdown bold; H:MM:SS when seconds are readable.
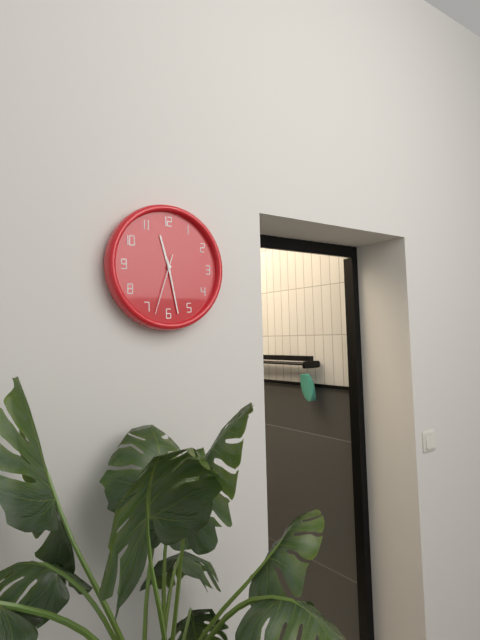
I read **11:28:33**
